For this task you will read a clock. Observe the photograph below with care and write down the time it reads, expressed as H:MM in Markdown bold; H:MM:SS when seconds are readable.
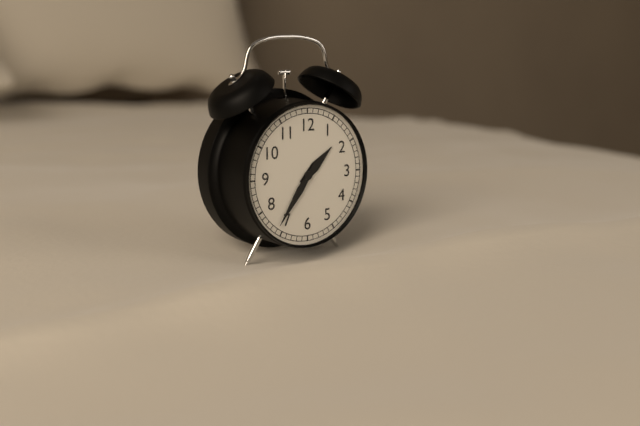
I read **1:36**
